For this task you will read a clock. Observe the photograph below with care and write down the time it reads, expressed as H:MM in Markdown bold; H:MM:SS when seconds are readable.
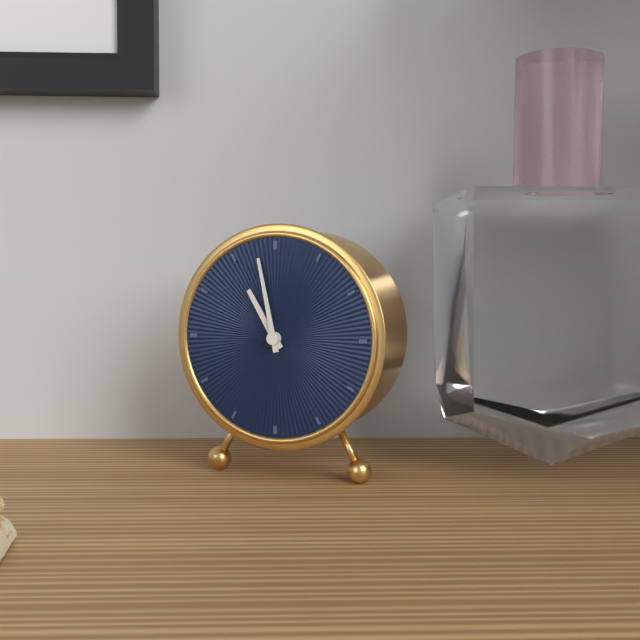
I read **10:58**
